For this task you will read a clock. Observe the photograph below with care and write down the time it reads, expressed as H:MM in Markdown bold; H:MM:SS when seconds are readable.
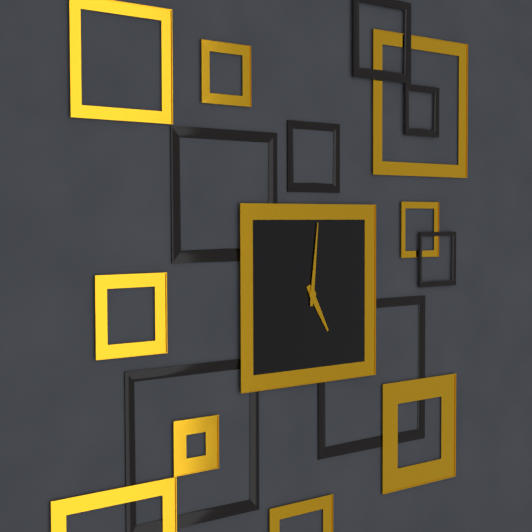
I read **5:01**
